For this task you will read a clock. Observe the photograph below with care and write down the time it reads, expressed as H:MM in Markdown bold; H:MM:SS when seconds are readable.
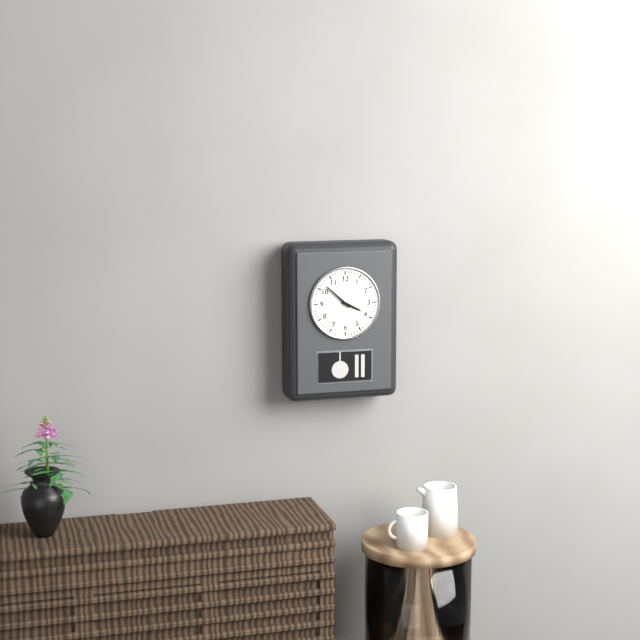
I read **3:52**
